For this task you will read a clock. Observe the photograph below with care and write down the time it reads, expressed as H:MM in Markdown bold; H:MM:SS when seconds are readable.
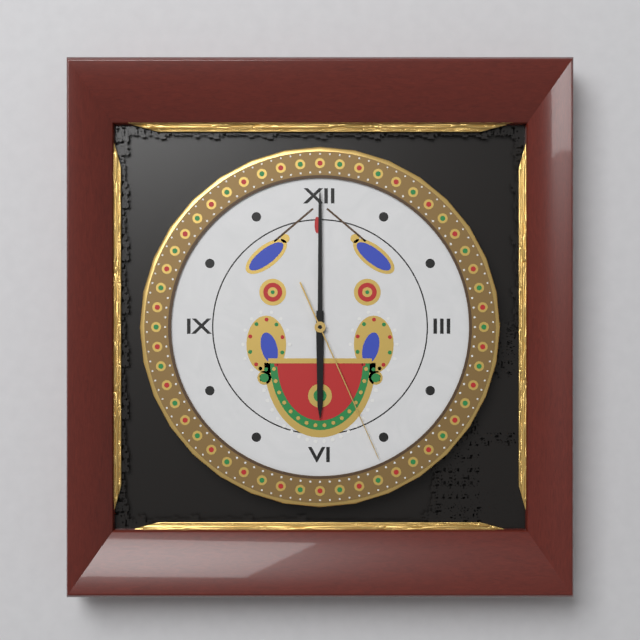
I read **6:00:26**
